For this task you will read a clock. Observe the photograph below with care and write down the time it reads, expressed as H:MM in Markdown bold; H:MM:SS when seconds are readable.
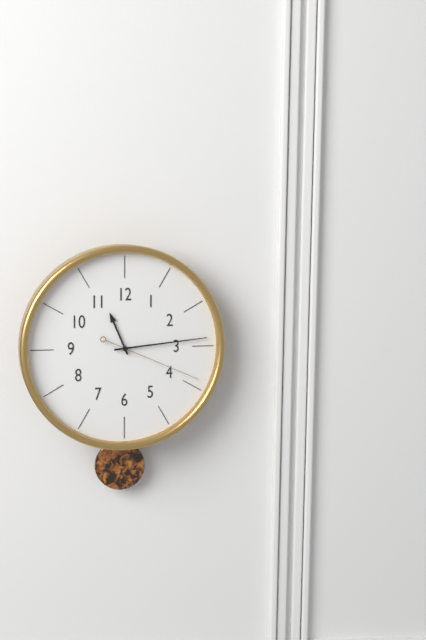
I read **11:14:19**
